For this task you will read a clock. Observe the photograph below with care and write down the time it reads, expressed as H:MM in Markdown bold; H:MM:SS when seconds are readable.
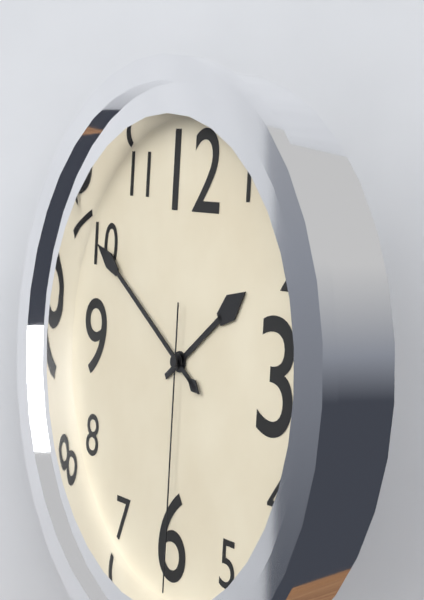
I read **1:50:30**
